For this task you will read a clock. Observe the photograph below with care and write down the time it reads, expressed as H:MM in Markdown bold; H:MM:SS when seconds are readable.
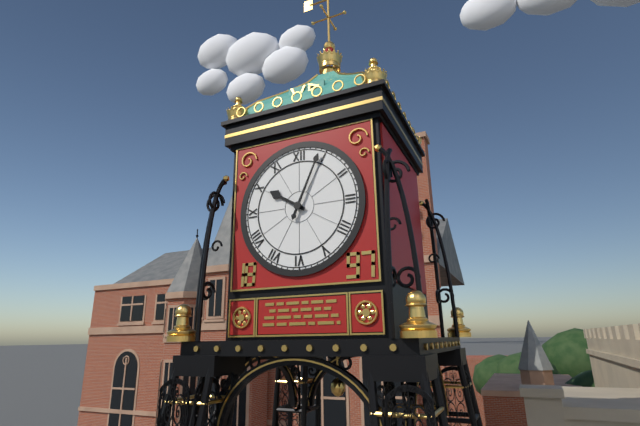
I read **10:04**
